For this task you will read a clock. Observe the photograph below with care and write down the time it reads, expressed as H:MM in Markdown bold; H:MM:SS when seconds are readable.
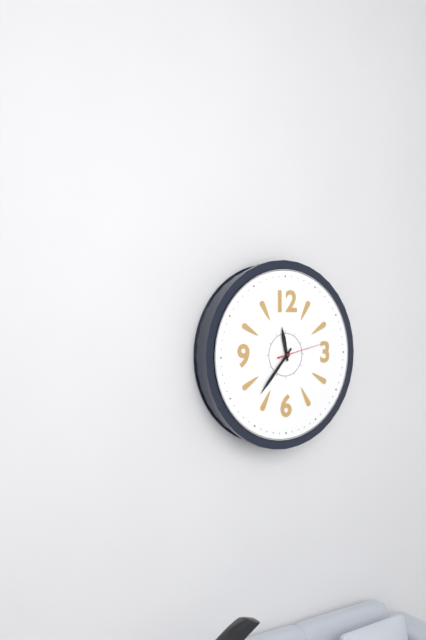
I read **11:37**
